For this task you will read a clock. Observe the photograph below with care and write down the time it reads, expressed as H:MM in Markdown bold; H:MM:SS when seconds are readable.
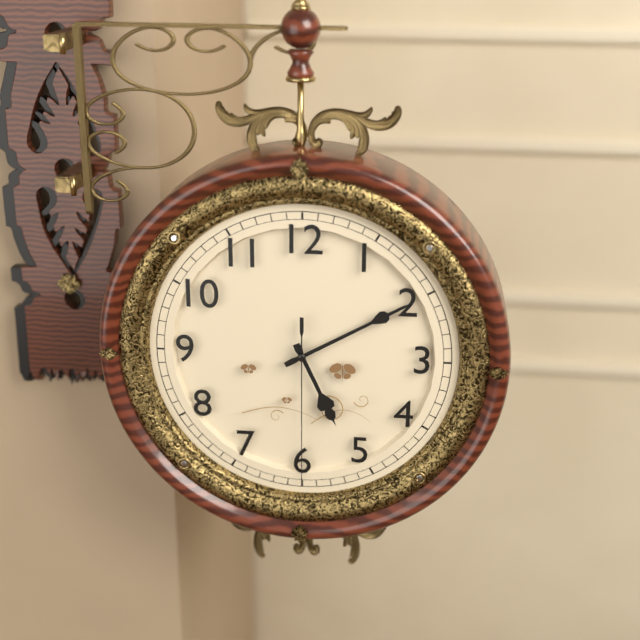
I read **5:10:30**
